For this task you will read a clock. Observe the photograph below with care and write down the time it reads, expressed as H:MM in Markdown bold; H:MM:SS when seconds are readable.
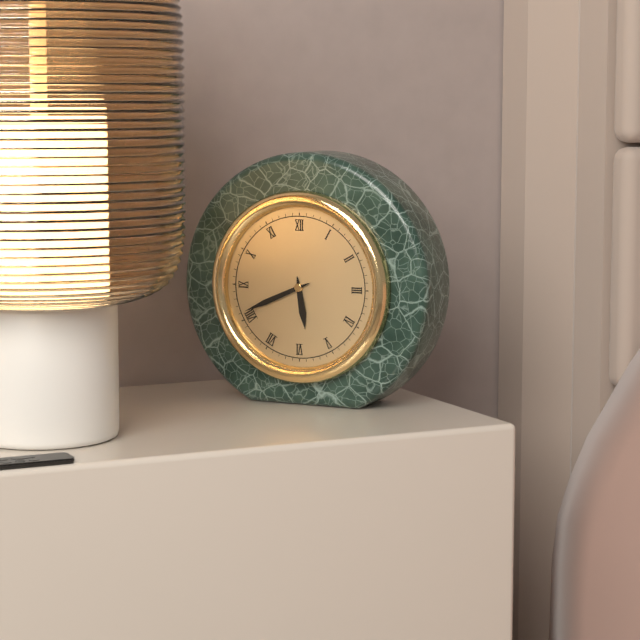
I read **5:41**
